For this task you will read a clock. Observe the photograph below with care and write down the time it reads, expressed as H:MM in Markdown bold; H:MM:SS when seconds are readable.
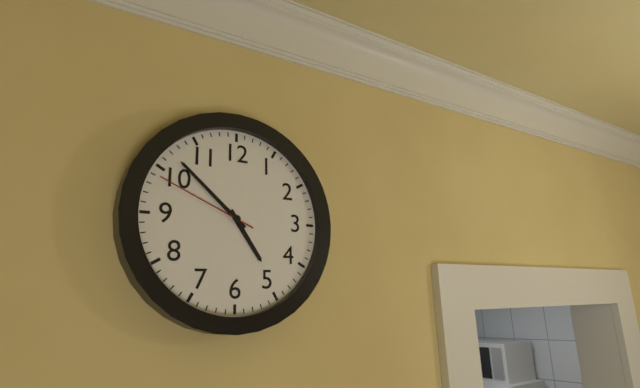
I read **4:52:49**
